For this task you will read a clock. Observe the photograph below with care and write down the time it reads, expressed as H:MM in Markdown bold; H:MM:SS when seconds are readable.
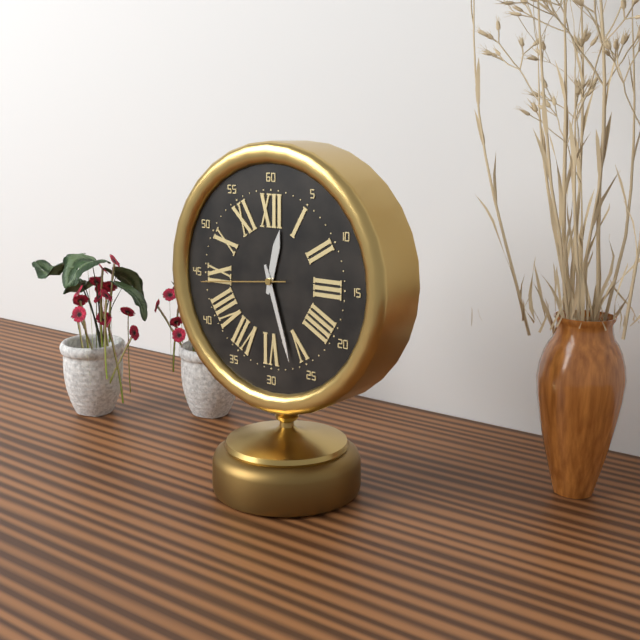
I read **12:27:44**
